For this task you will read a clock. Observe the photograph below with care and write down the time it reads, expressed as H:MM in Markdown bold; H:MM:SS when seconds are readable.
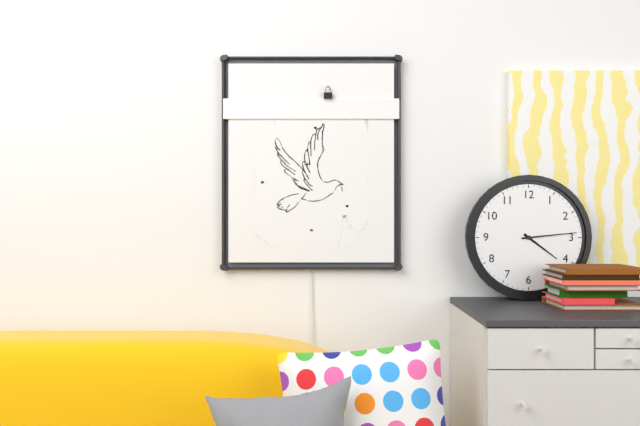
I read **4:14**
